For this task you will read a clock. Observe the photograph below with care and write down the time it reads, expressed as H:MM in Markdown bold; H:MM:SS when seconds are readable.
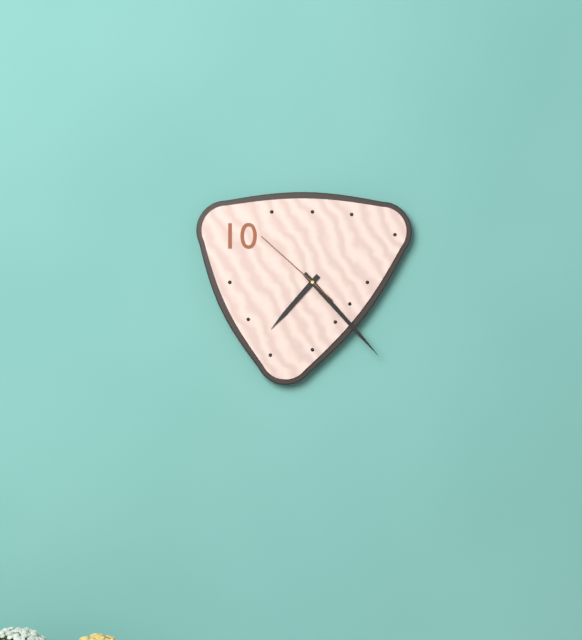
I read **7:23:52**
